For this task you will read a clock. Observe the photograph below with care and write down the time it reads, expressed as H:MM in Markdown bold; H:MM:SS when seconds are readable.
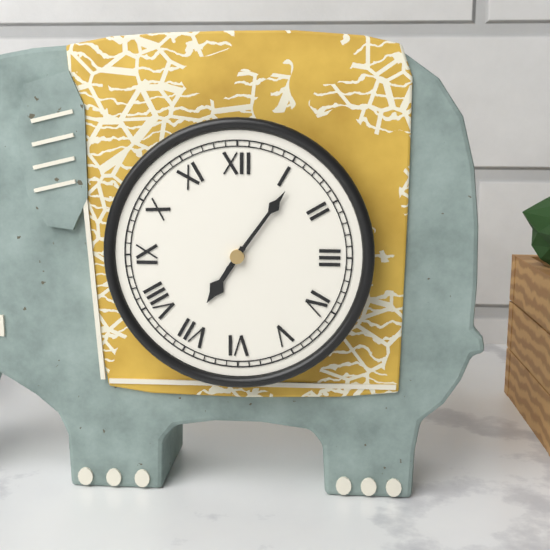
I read **7:06**
